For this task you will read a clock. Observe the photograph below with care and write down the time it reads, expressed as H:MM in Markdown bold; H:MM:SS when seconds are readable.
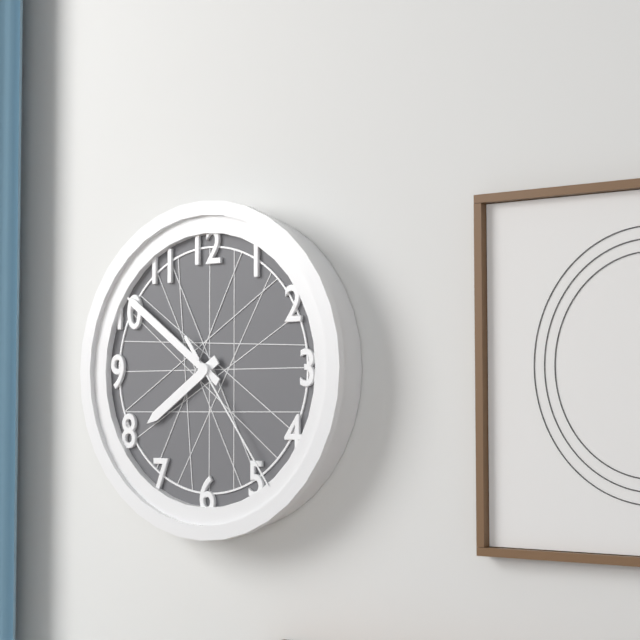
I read **7:51:24**
